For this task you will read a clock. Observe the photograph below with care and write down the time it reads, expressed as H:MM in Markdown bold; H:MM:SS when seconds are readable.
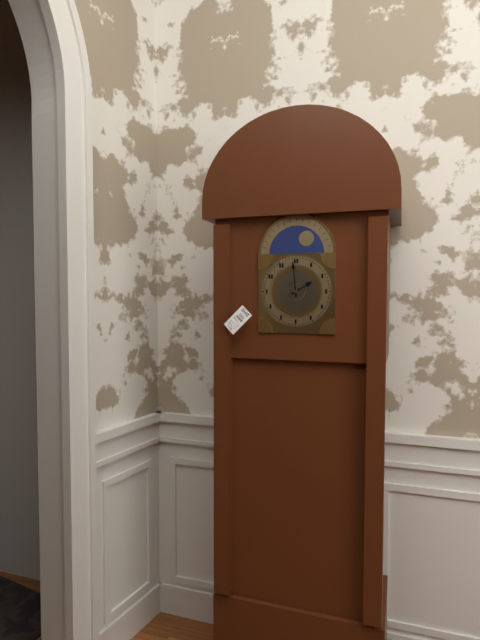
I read **1:59**
